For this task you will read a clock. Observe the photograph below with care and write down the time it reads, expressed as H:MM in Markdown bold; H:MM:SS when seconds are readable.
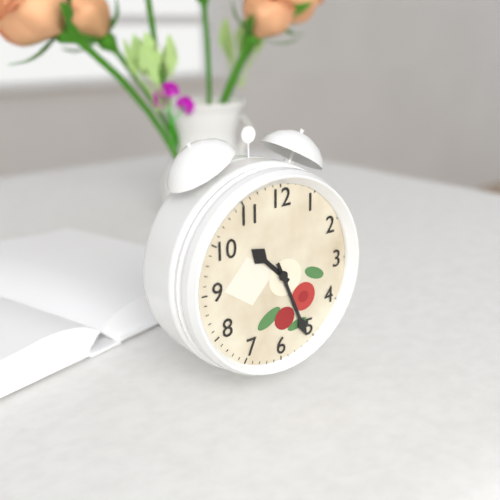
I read **10:26**
